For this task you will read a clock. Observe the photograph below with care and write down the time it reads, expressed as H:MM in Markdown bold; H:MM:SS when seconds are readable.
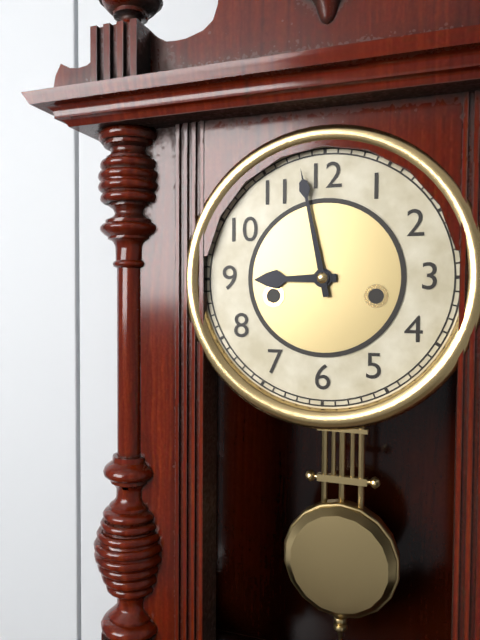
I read **8:58**
